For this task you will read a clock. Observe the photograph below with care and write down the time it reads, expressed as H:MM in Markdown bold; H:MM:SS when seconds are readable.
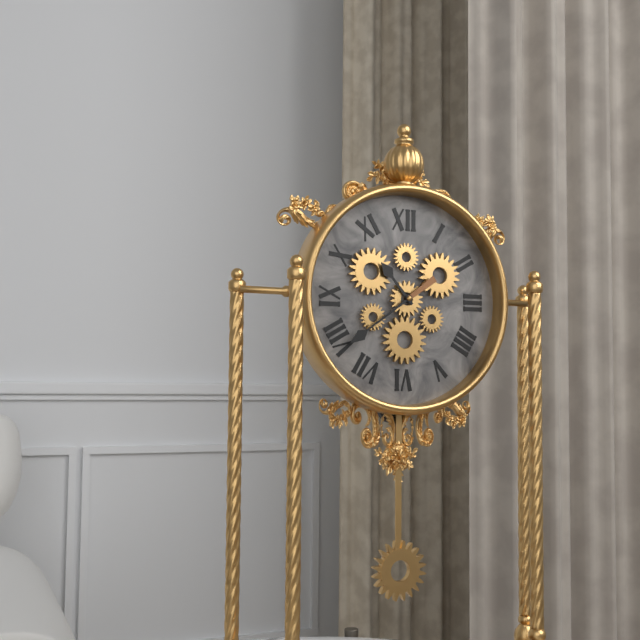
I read **10:39**
